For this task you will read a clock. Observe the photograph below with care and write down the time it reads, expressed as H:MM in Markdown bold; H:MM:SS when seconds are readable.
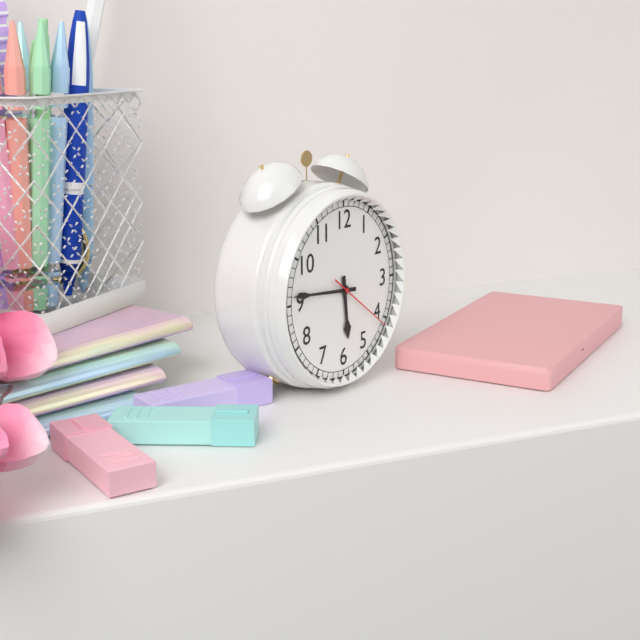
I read **5:46:21**
